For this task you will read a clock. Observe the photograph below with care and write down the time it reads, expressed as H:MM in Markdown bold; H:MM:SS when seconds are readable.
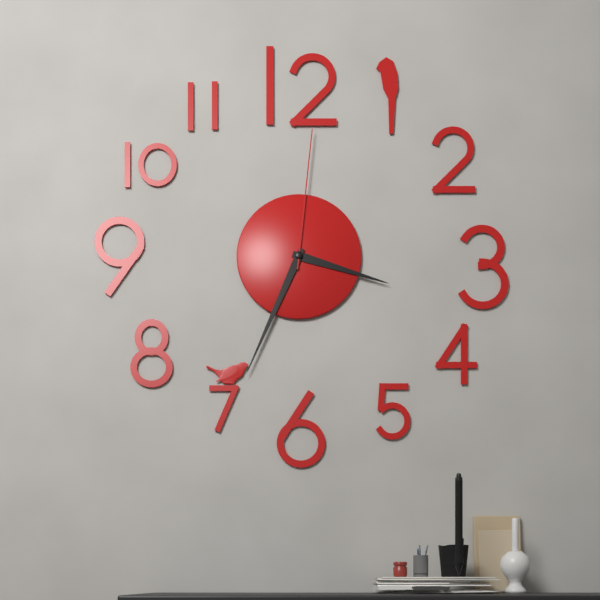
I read **3:34:01**
